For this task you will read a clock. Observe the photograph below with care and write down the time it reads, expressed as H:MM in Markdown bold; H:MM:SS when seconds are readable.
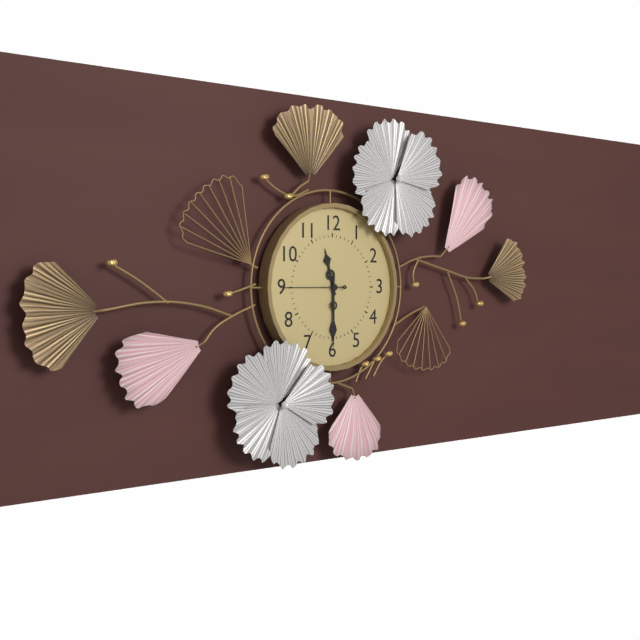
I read **11:30:45**
